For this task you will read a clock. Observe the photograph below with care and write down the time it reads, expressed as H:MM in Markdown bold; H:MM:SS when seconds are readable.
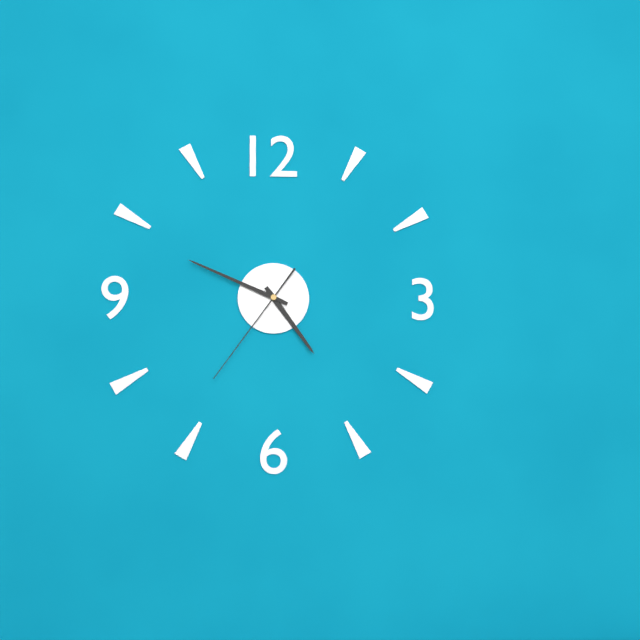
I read **4:49:36**
